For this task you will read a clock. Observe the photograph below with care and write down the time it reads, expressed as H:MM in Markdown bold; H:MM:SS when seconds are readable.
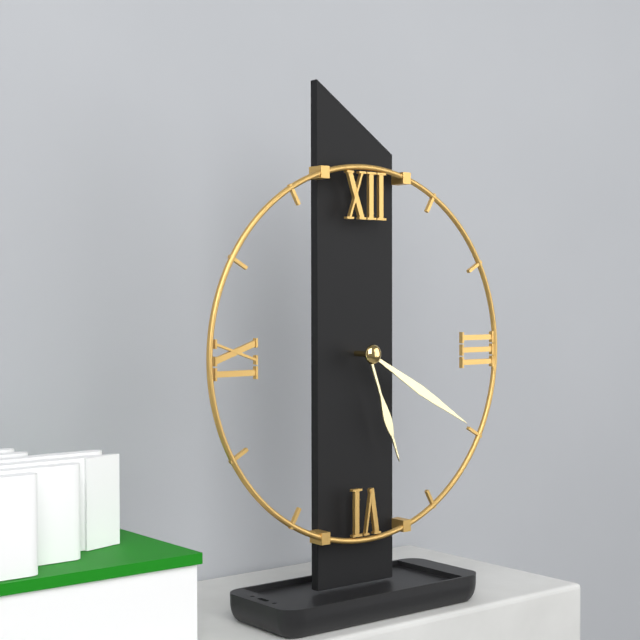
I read **5:20**
